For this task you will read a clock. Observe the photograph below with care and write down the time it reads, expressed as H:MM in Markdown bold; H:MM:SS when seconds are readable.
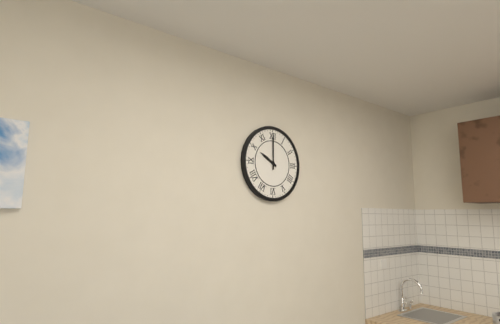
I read **10:00**
